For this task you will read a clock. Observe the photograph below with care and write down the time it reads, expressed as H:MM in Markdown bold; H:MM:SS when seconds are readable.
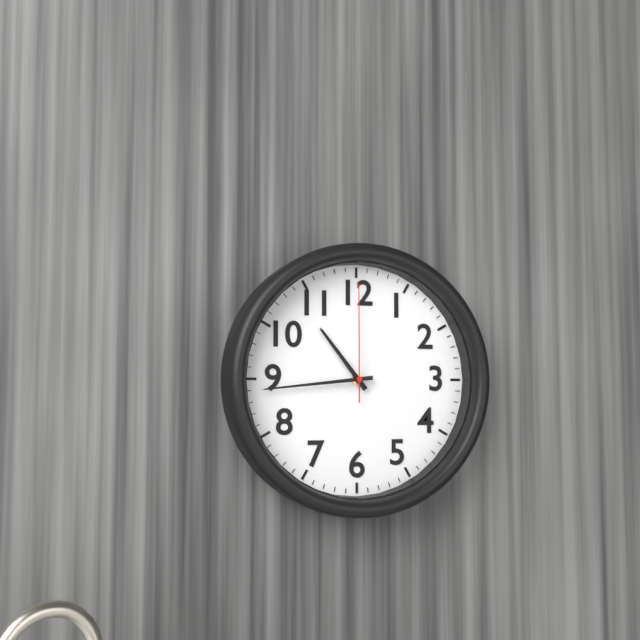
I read **10:44:00**
